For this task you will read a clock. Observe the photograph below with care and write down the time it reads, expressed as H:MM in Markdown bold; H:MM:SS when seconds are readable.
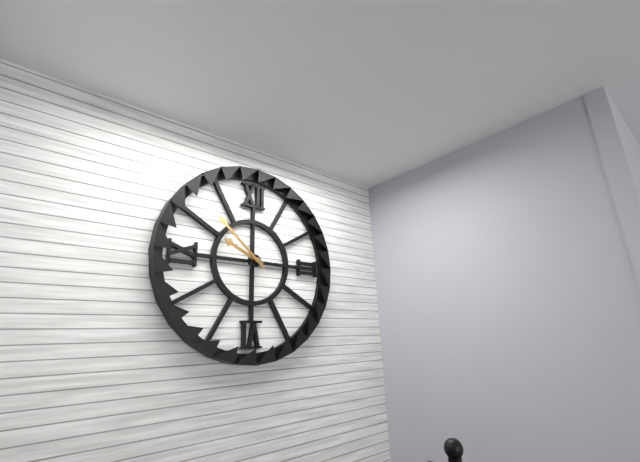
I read **9:52**
